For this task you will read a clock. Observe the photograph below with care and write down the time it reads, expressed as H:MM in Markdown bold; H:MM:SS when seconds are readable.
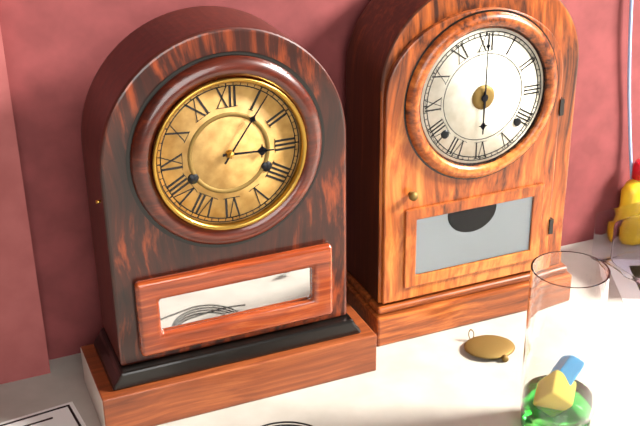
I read **3:06**
